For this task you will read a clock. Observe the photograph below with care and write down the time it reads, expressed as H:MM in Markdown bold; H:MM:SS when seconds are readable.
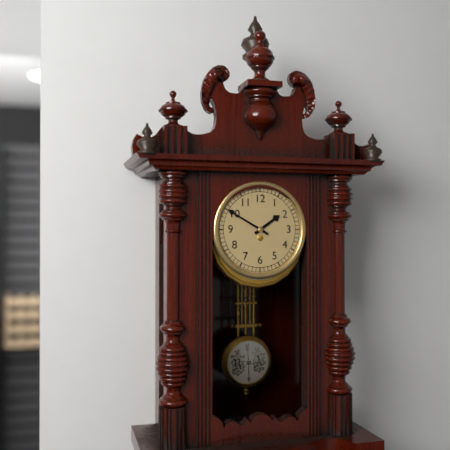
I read **1:50**
